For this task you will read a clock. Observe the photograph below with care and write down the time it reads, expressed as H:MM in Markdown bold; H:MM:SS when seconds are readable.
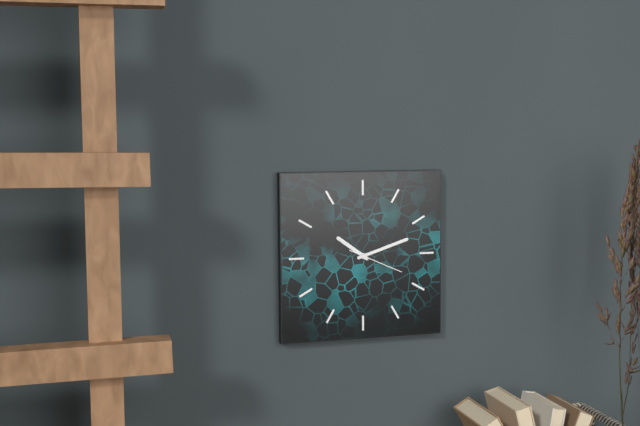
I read **10:12:19**
